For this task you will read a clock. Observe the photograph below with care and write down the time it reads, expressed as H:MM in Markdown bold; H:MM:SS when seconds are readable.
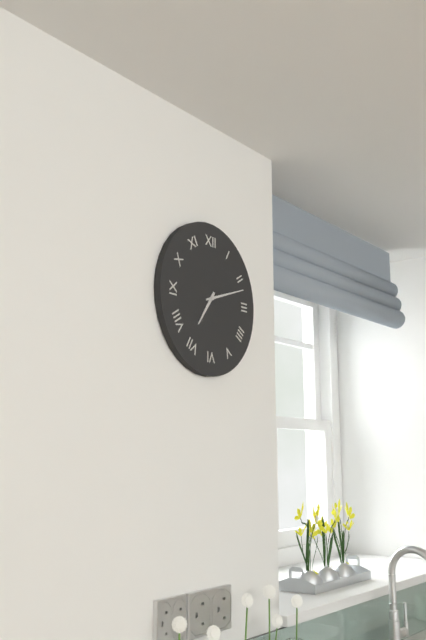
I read **7:12**
